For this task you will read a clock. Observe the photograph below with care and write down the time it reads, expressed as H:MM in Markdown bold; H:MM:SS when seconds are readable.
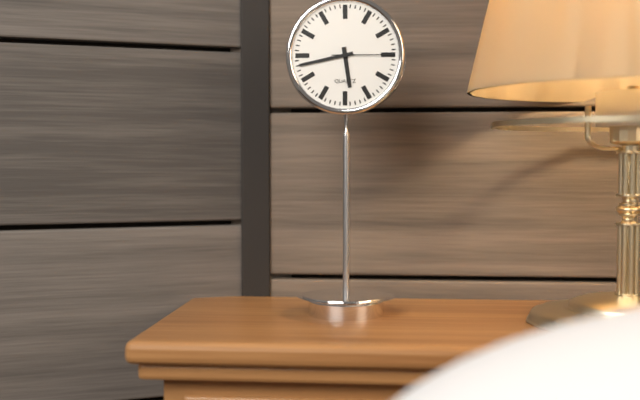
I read **5:43:15**
